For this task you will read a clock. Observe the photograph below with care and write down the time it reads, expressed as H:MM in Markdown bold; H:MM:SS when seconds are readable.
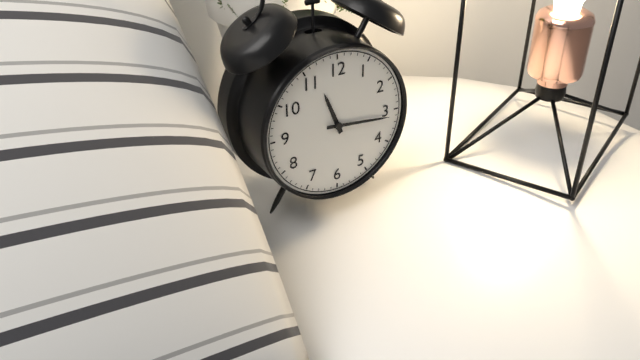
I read **11:16**
